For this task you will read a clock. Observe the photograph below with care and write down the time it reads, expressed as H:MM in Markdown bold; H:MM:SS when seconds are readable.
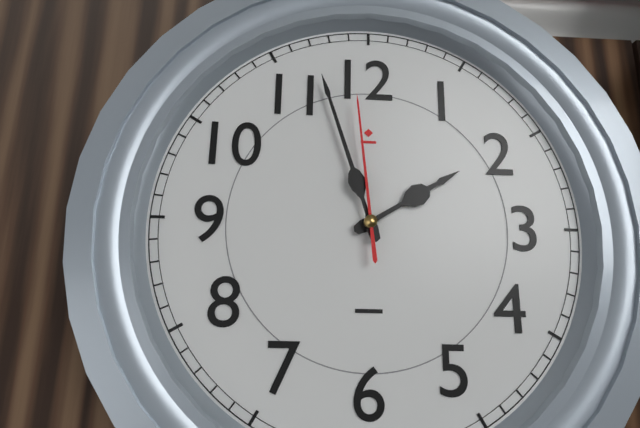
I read **1:57:59**
